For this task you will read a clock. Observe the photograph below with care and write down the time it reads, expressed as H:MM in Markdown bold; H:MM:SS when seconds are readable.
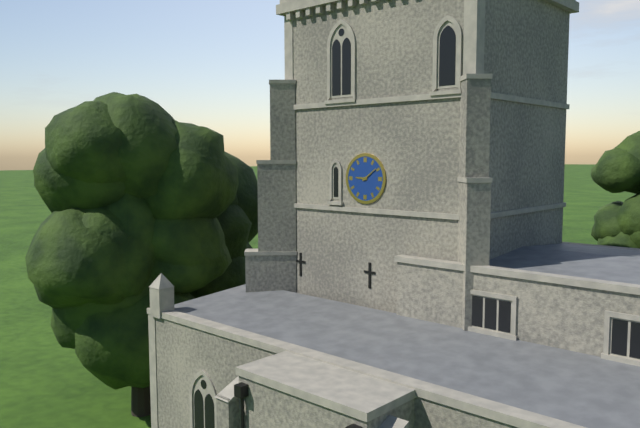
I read **9:09**
